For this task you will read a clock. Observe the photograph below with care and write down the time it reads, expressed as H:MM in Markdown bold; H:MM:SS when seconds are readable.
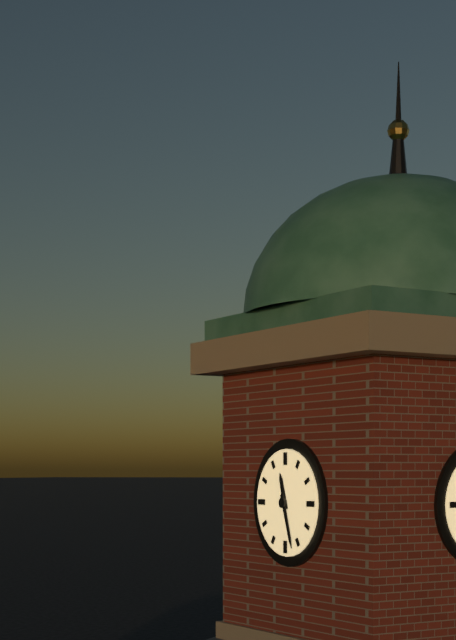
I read **11:27**
